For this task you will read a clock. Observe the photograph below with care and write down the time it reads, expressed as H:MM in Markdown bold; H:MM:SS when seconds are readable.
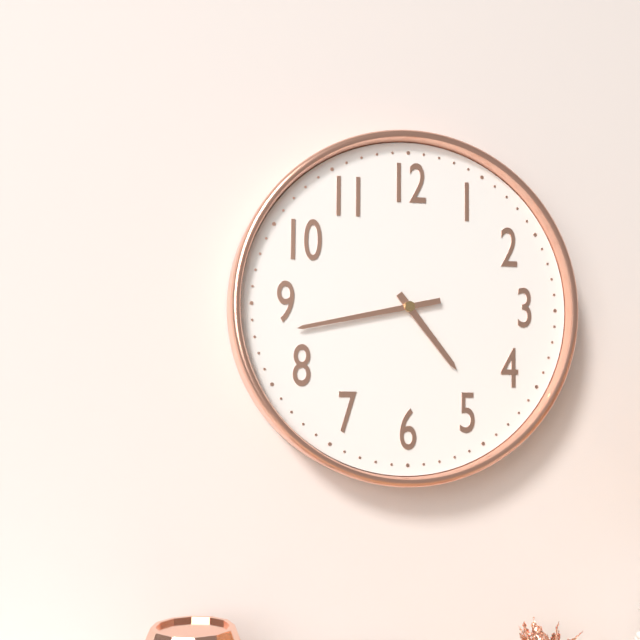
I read **4:43**
